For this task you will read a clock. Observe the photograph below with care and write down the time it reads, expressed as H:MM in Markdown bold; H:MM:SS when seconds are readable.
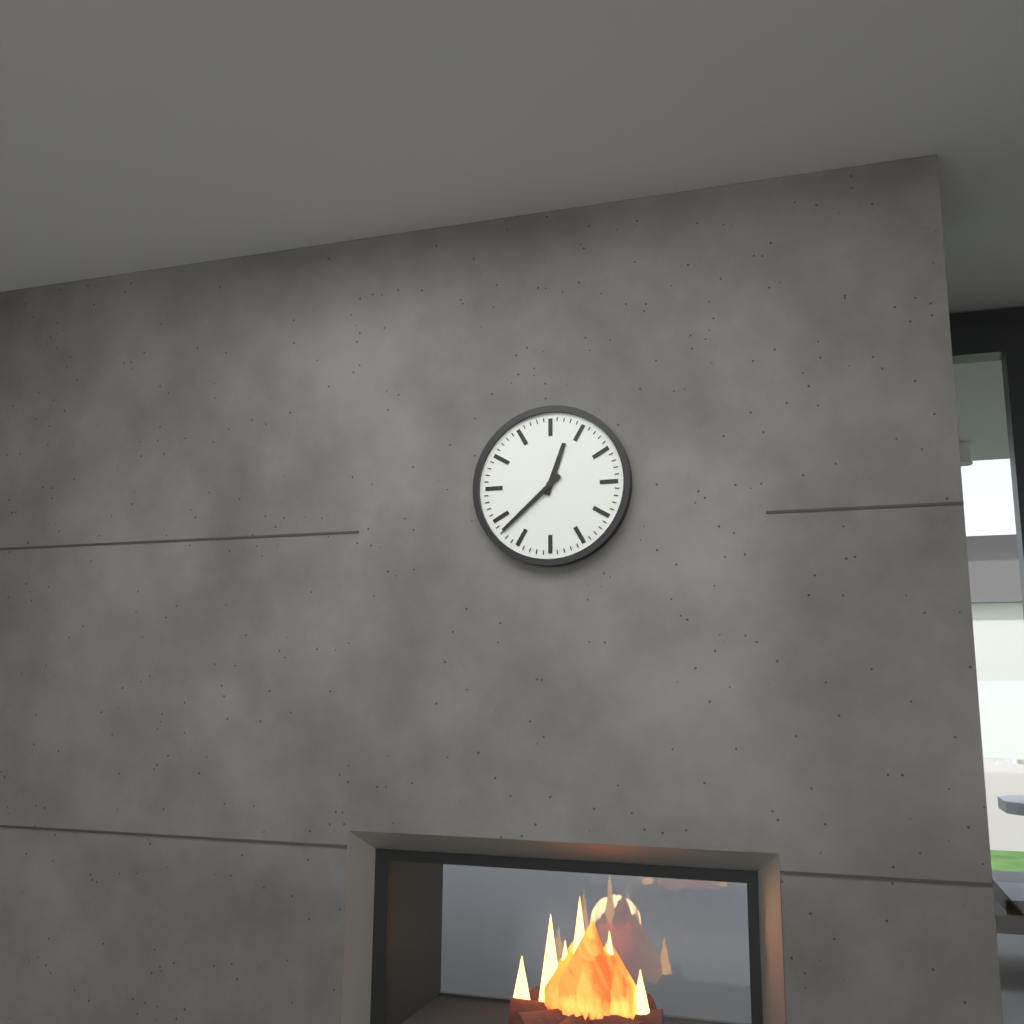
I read **12:38**
